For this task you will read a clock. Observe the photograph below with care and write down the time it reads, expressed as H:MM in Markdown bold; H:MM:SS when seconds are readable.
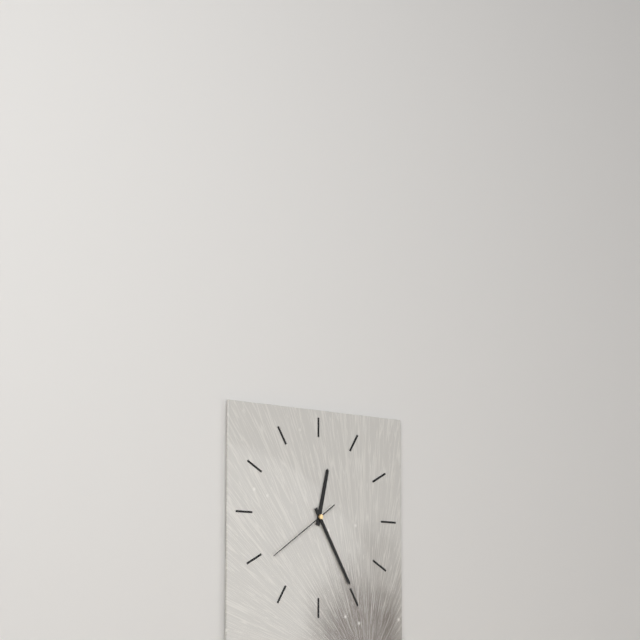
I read **12:25:39**
